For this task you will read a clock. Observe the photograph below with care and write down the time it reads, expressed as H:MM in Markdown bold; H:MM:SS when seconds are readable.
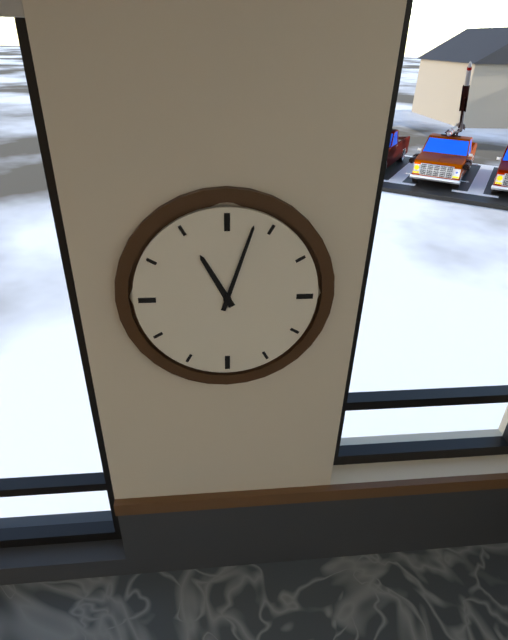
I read **11:03**
